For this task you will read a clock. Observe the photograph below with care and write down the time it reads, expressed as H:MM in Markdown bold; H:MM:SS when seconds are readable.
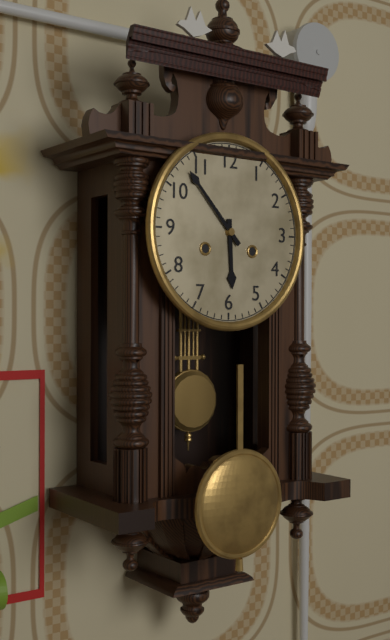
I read **5:53**
